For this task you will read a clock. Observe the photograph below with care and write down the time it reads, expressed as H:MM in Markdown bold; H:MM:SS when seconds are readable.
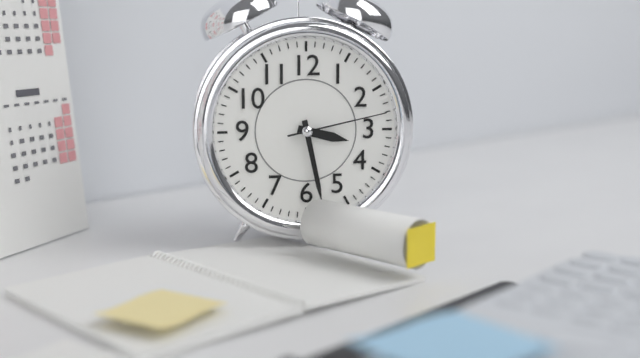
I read **3:28:13**
